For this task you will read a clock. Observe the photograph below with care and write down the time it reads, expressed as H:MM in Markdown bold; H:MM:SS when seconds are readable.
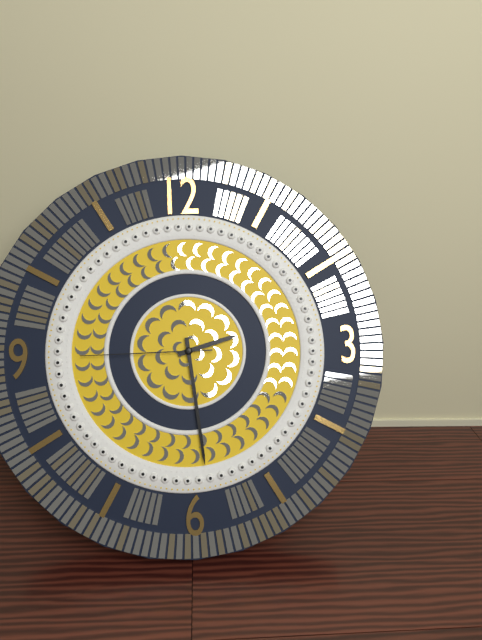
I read **2:29:45**
